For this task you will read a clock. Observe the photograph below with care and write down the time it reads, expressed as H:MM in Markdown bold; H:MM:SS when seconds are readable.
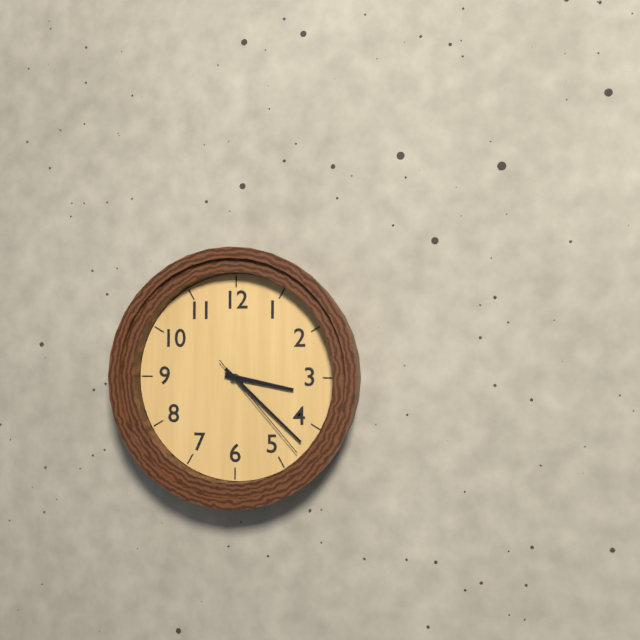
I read **3:22:23**
